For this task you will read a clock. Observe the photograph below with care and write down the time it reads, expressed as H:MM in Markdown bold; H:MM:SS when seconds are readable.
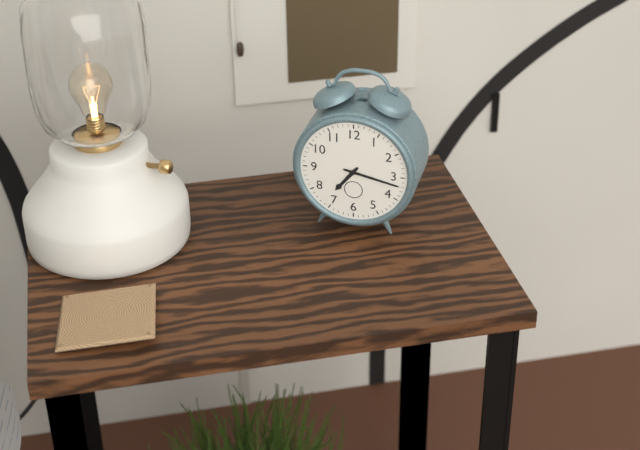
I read **7:17**
